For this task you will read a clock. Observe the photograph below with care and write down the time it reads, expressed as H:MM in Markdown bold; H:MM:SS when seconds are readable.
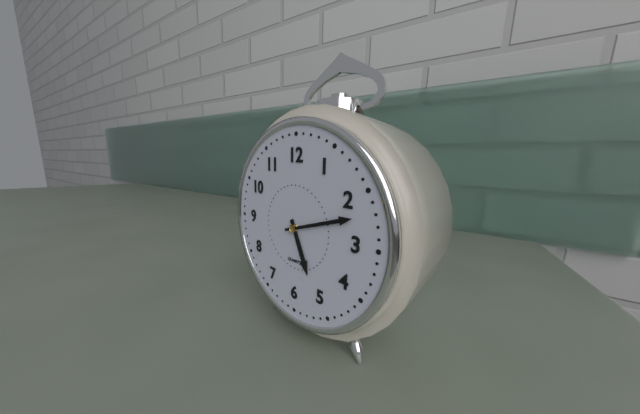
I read **5:12**
